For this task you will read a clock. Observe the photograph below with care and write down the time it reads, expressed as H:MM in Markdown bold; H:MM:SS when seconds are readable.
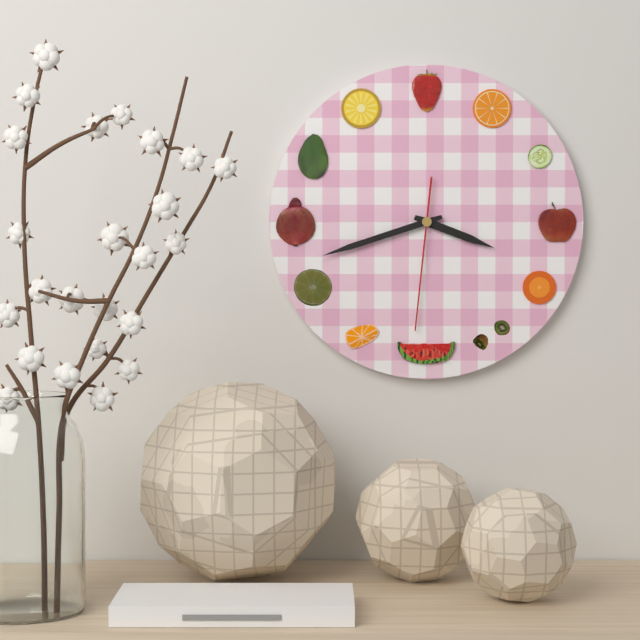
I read **3:42:31**
